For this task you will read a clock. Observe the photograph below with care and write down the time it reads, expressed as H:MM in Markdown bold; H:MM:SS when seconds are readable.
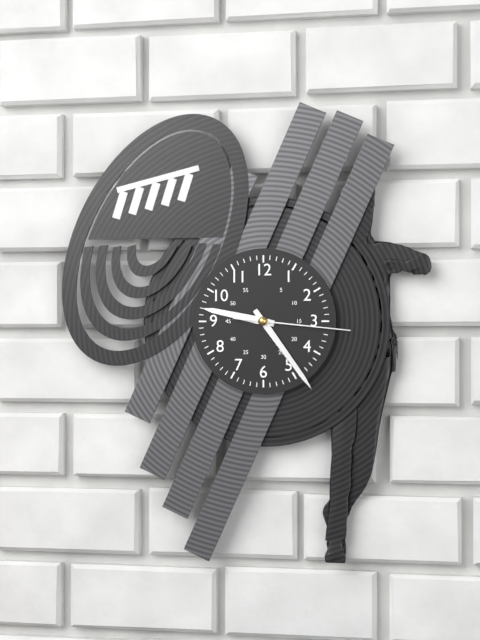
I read **9:24:16**
